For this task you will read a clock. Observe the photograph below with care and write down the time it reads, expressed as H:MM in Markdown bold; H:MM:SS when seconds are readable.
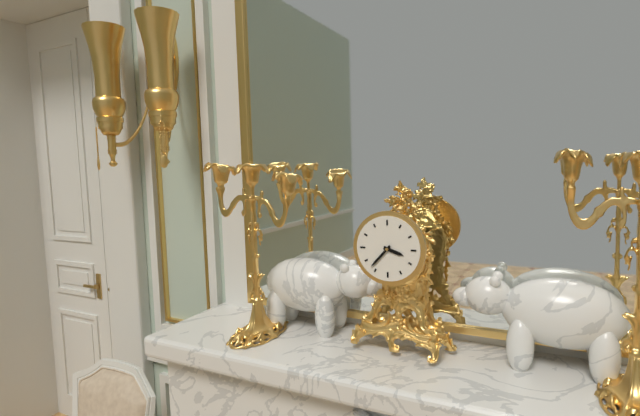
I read **3:37**
